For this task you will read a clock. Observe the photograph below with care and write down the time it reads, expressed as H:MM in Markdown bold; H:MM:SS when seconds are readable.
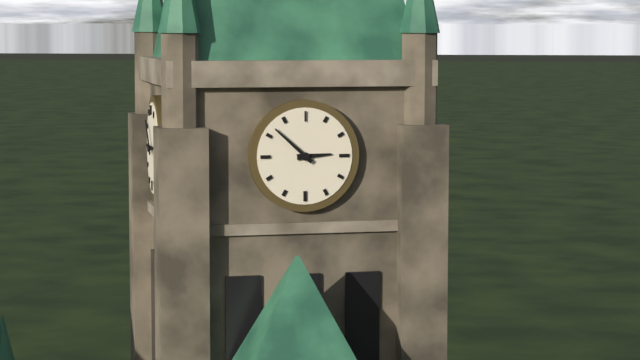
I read **2:52**
